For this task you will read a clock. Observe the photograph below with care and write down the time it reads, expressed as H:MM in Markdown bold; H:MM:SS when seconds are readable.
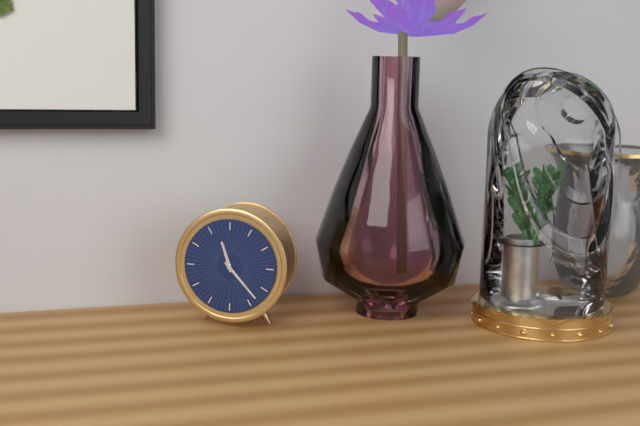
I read **11:23**
